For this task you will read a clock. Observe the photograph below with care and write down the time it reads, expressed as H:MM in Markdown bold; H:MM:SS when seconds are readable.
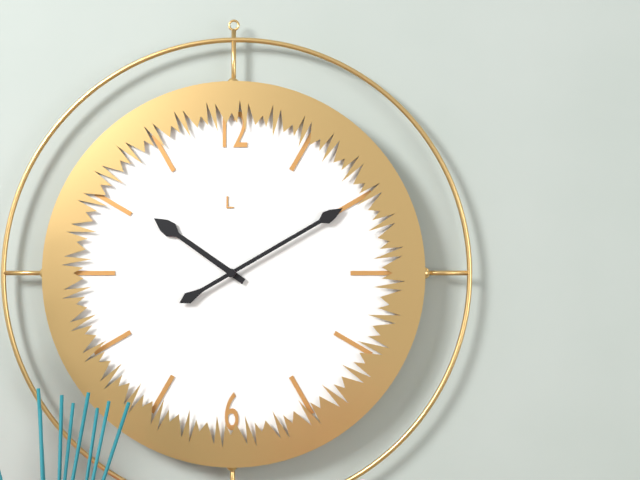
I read **10:10**
